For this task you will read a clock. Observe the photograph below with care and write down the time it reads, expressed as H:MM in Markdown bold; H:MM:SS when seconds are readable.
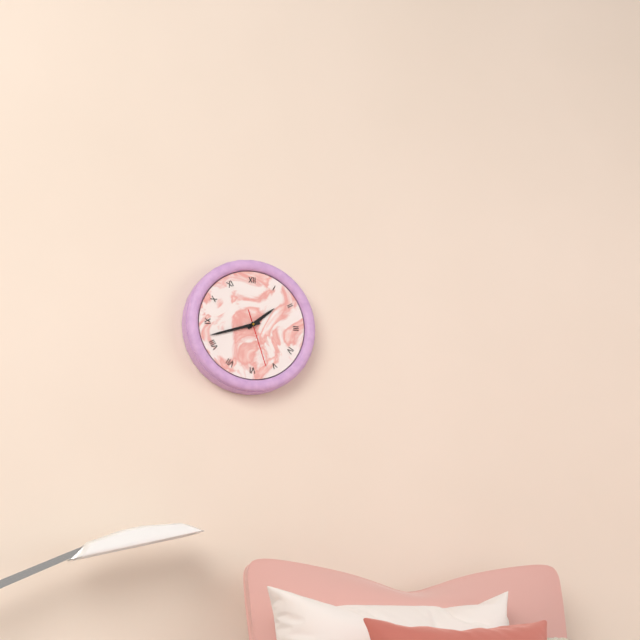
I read **1:42:27**
